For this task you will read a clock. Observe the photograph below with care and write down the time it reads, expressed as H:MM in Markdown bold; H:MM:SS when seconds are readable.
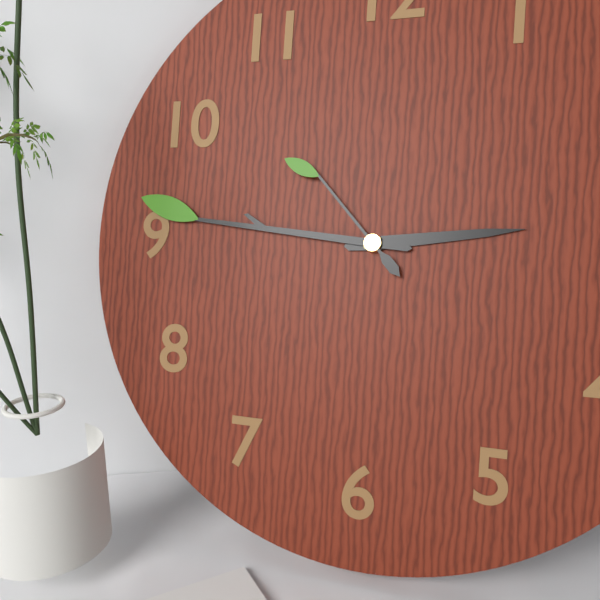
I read **2:46:53**
